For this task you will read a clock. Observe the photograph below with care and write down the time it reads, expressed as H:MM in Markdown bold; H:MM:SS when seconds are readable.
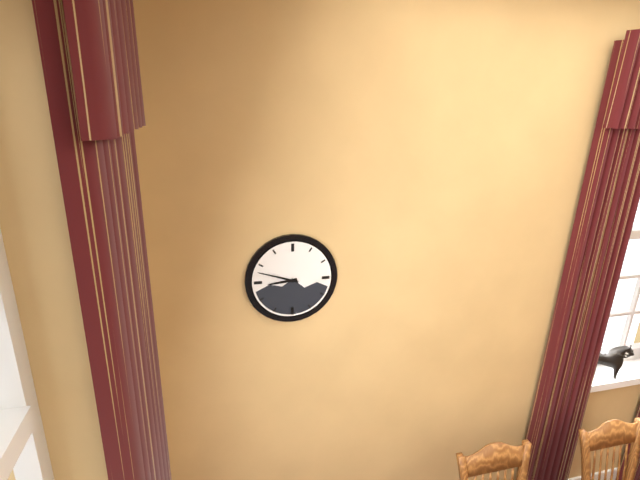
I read **8:48**
